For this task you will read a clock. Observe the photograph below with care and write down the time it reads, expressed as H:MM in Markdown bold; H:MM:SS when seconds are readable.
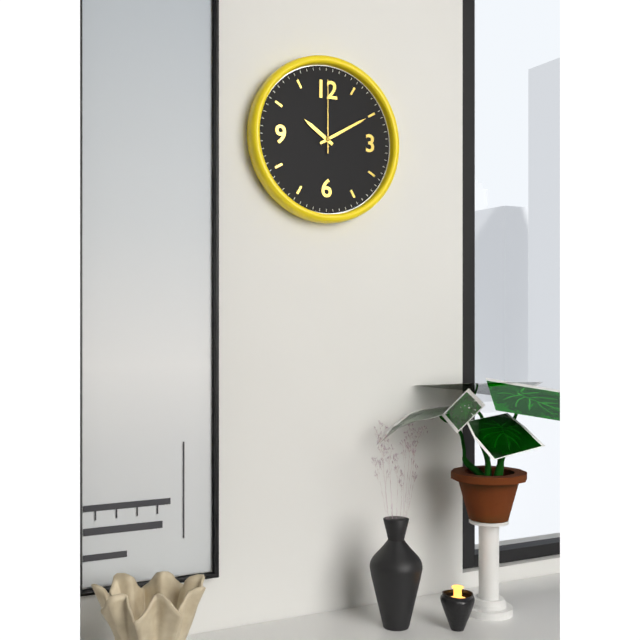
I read **10:10:00**
